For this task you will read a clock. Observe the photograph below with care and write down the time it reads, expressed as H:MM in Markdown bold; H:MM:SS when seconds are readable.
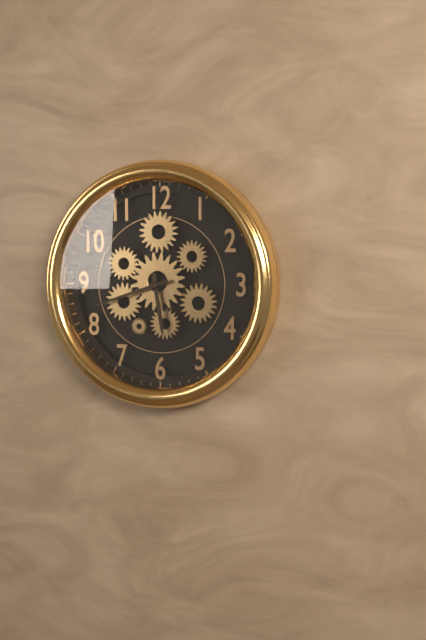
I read **5:42**
